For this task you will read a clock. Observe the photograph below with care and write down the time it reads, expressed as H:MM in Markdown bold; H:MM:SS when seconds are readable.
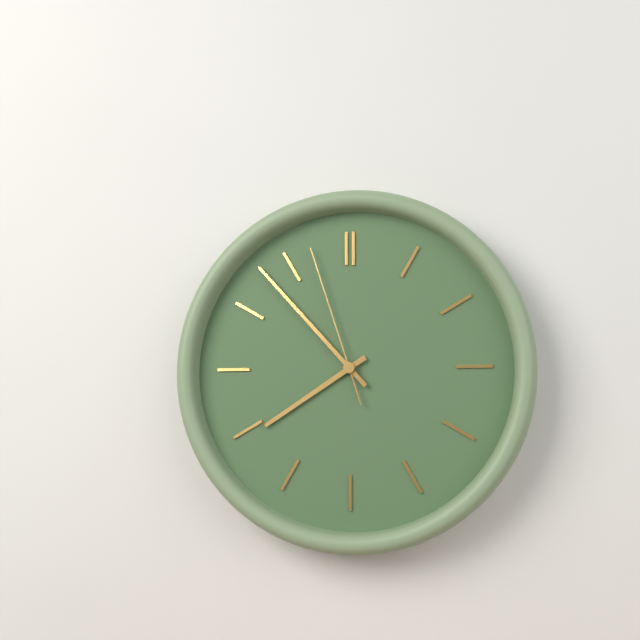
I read **7:53:57**
